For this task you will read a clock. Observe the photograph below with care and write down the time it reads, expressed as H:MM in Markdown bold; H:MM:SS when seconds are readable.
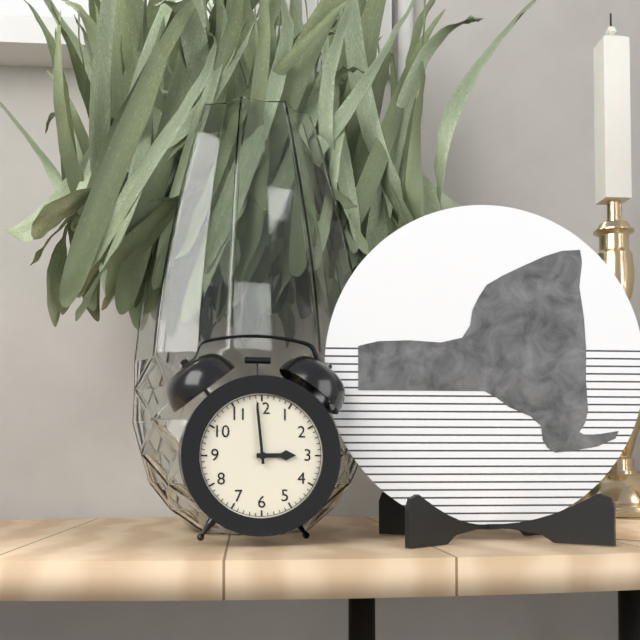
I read **2:59**
